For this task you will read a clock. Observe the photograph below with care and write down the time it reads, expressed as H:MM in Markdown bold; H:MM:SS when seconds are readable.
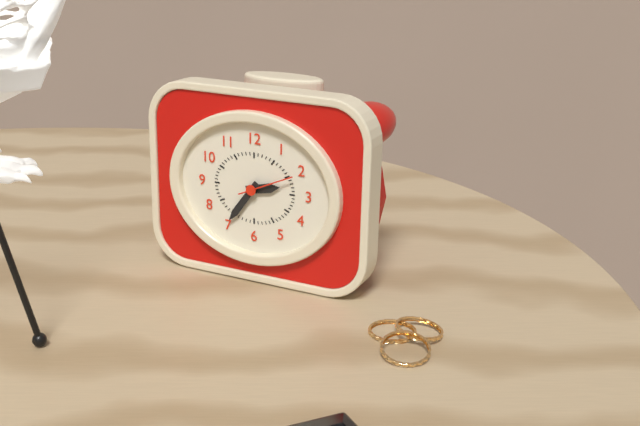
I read **2:36:11**
